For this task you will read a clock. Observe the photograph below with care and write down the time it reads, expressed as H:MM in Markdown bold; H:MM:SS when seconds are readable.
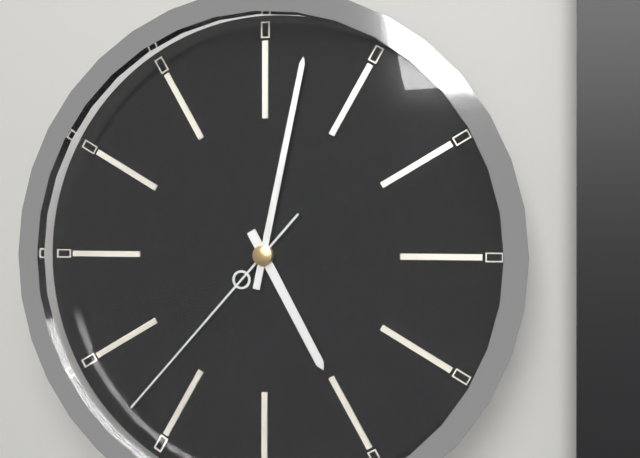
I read **5:02:37**
